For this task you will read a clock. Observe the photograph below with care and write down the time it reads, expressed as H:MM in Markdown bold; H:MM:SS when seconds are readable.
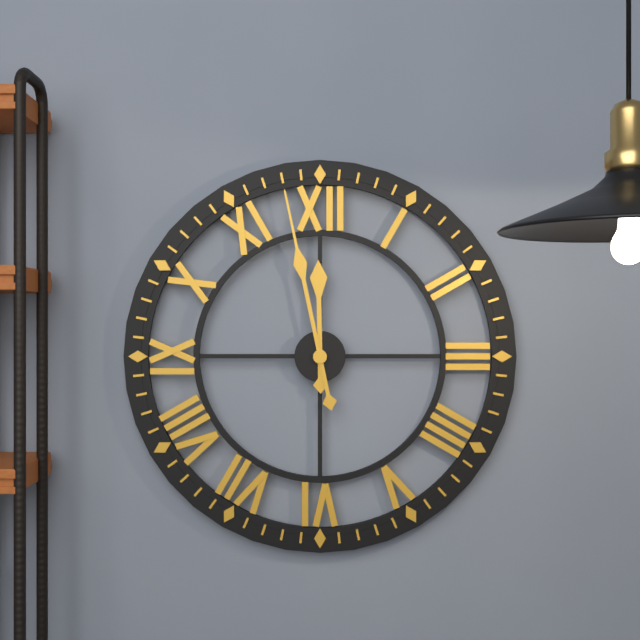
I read **11:58**
